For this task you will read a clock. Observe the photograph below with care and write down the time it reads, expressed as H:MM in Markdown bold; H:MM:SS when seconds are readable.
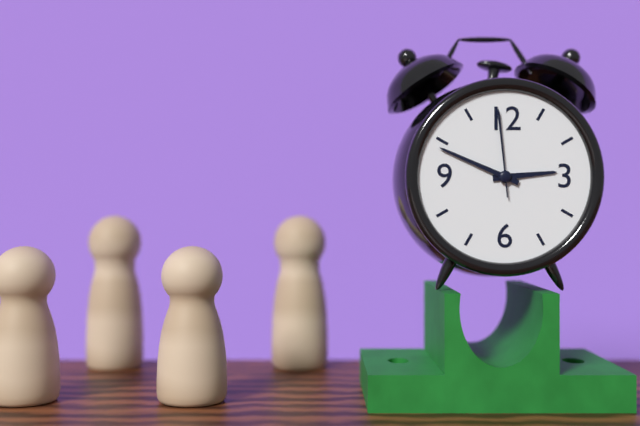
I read **2:49:59**
